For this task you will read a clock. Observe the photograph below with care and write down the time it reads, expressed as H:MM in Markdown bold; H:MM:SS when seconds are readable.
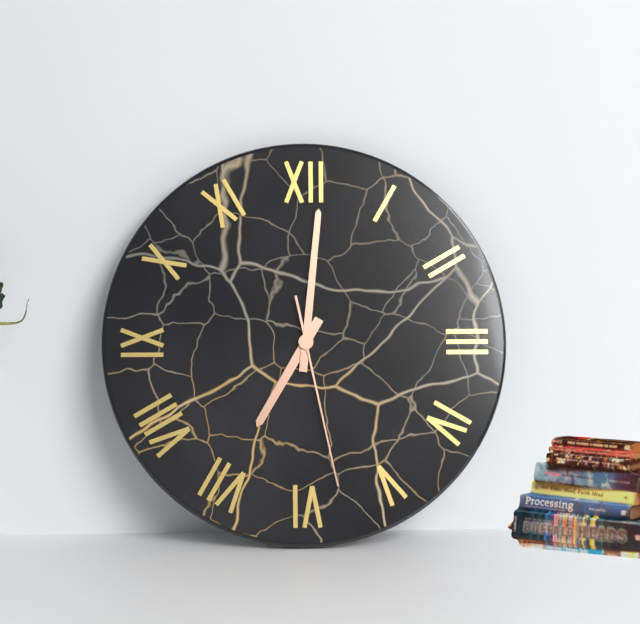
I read **7:01:28**
